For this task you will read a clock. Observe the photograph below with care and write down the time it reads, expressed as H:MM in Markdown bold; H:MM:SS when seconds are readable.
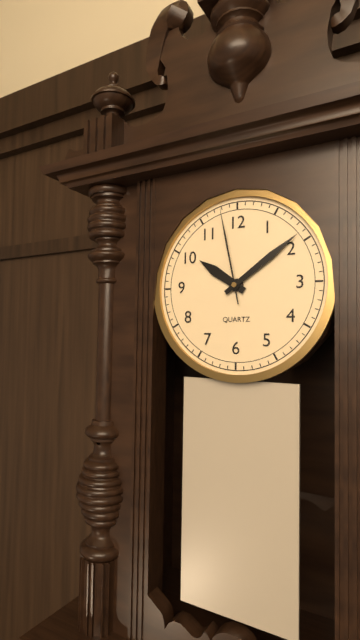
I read **10:09:58**
